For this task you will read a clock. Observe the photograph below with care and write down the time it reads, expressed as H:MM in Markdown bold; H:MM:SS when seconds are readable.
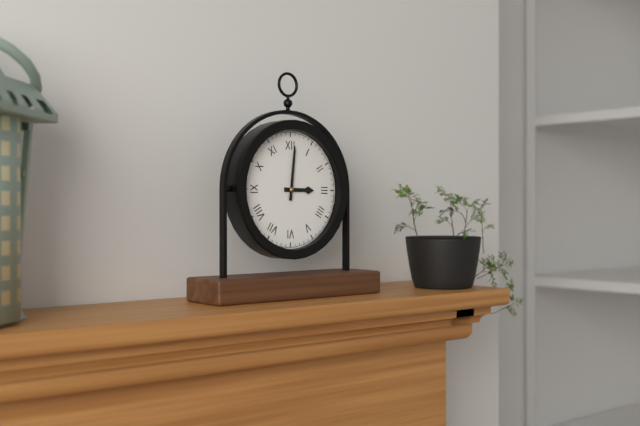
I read **3:01**
